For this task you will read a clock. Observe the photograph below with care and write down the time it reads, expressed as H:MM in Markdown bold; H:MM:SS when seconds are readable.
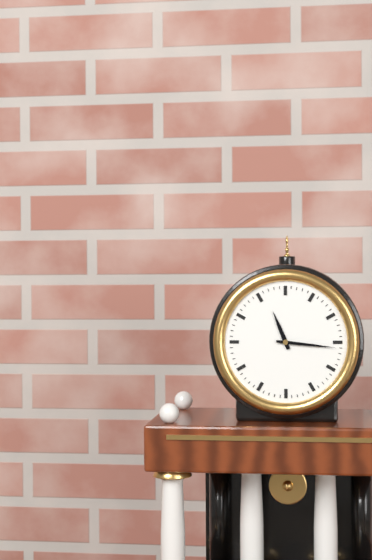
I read **11:16**
